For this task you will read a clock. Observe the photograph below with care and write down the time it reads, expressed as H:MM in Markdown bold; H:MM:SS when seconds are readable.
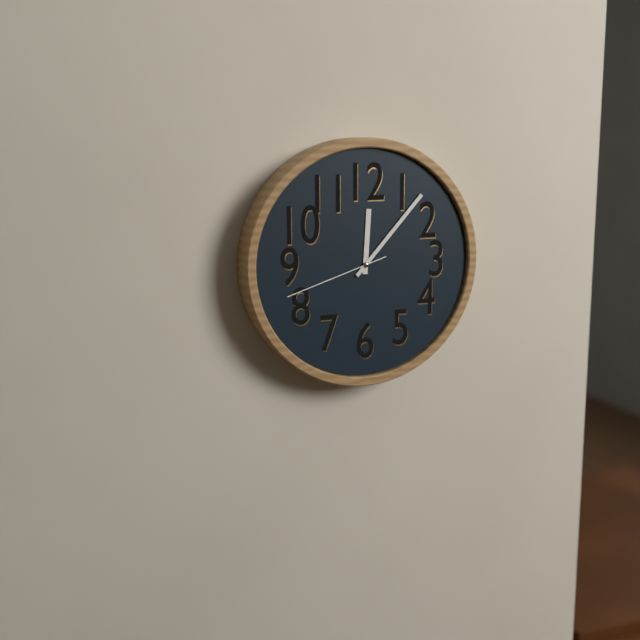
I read **12:07:42**
